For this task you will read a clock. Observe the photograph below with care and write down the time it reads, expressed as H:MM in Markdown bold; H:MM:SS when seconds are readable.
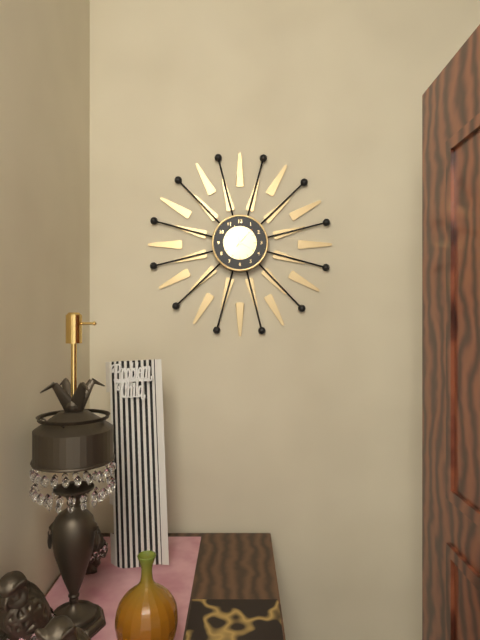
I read **3:57**
